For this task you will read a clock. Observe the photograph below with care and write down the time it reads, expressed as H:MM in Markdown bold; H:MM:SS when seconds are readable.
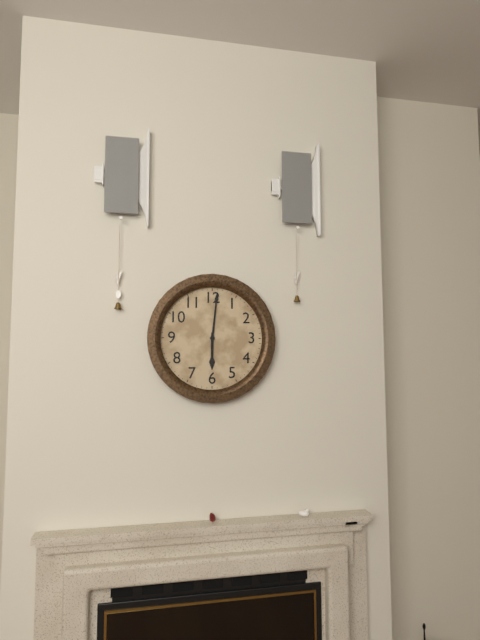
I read **6:01**
